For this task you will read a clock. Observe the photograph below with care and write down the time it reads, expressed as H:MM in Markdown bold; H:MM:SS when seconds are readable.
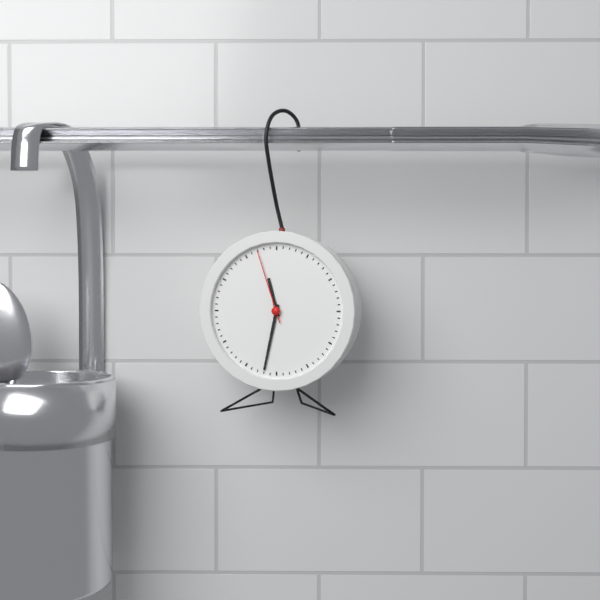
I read **11:32:57**
